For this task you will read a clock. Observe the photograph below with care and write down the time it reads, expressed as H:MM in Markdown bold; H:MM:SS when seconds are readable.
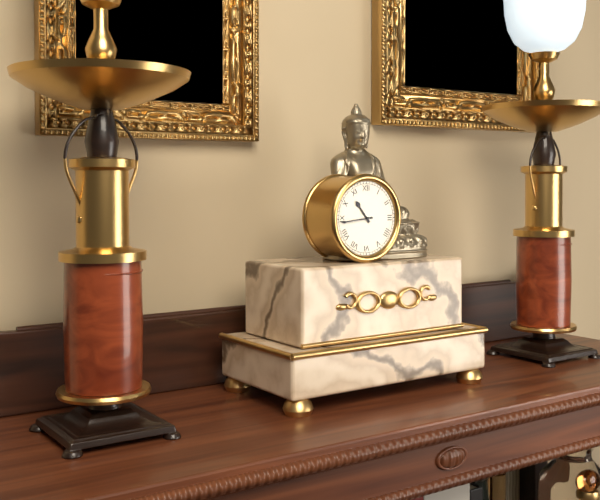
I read **10:44**
